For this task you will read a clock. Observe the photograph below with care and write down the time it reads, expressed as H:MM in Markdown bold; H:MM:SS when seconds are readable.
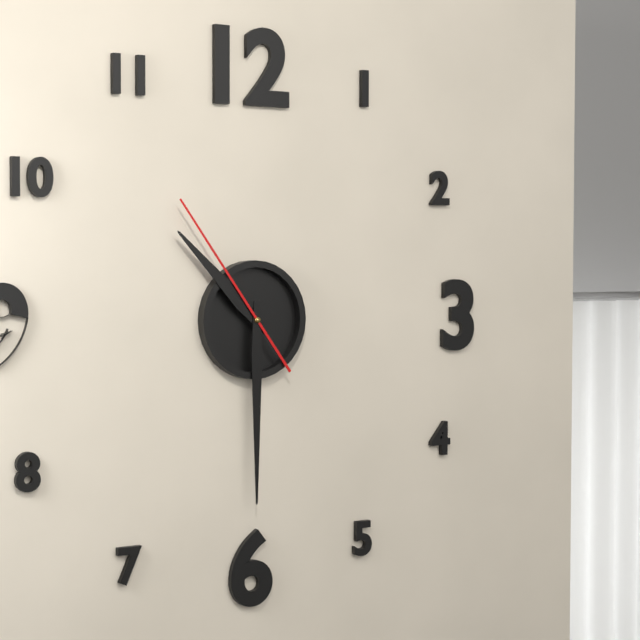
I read **10:30:54**
